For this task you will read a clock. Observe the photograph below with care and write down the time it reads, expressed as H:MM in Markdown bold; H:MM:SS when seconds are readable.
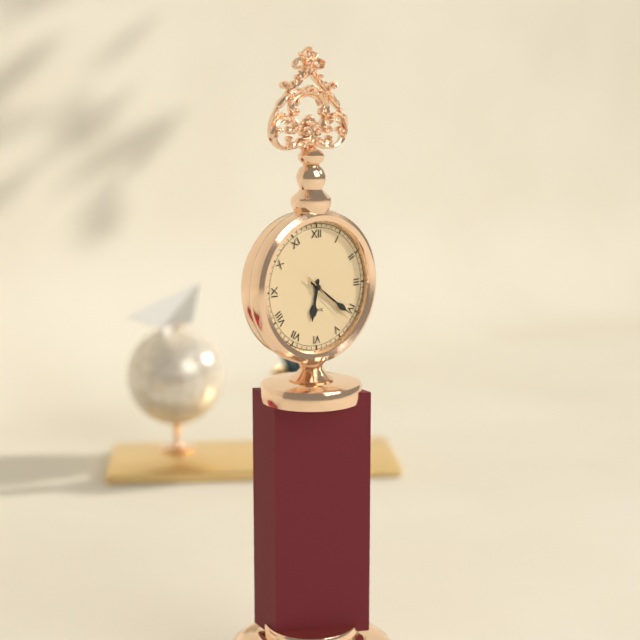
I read **6:21:22**
